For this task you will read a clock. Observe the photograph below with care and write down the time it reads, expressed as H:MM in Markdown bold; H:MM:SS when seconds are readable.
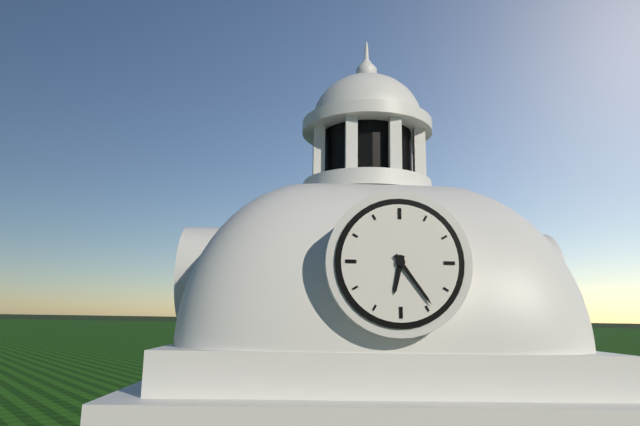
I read **6:24**
